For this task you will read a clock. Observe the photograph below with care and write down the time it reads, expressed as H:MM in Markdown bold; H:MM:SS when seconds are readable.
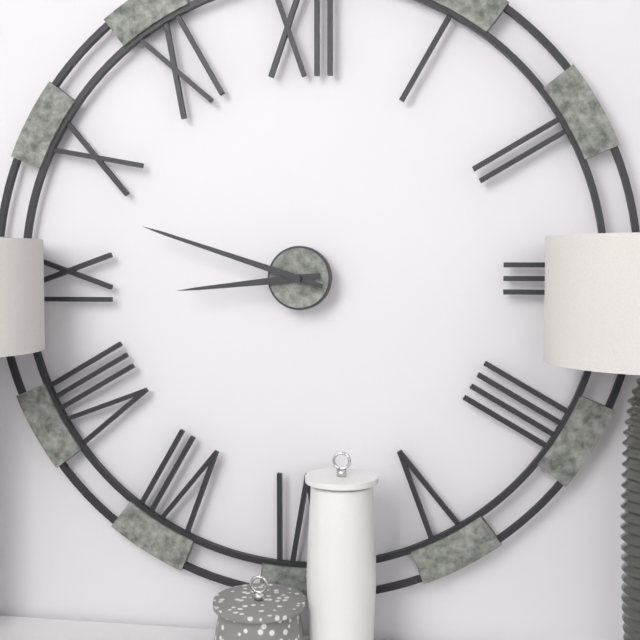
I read **8:48**
